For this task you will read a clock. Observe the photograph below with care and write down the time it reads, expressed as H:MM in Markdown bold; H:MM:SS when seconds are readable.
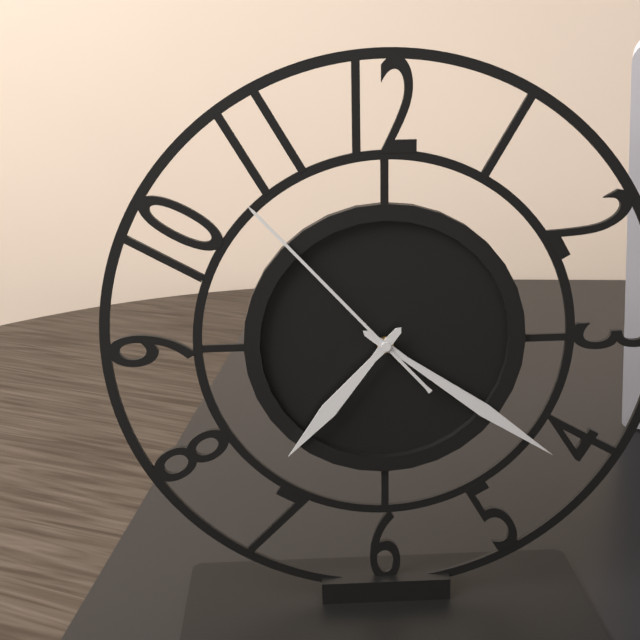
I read **7:21:53**
